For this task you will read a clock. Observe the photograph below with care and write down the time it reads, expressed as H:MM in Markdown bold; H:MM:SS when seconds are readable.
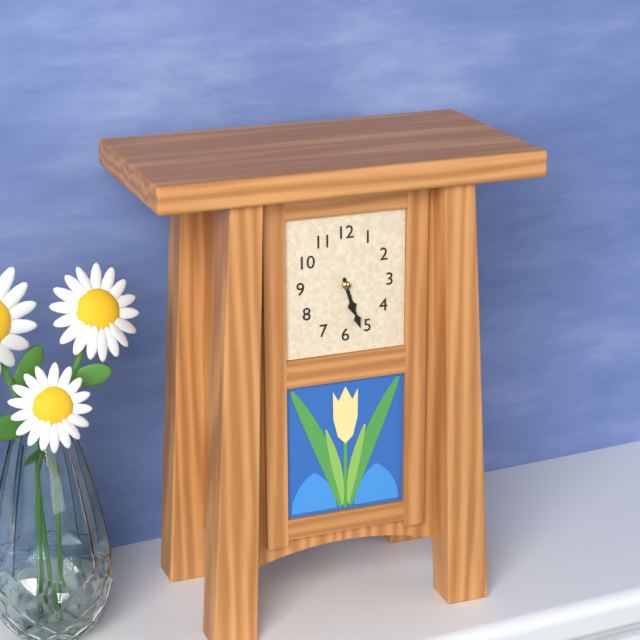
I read **5:27**
